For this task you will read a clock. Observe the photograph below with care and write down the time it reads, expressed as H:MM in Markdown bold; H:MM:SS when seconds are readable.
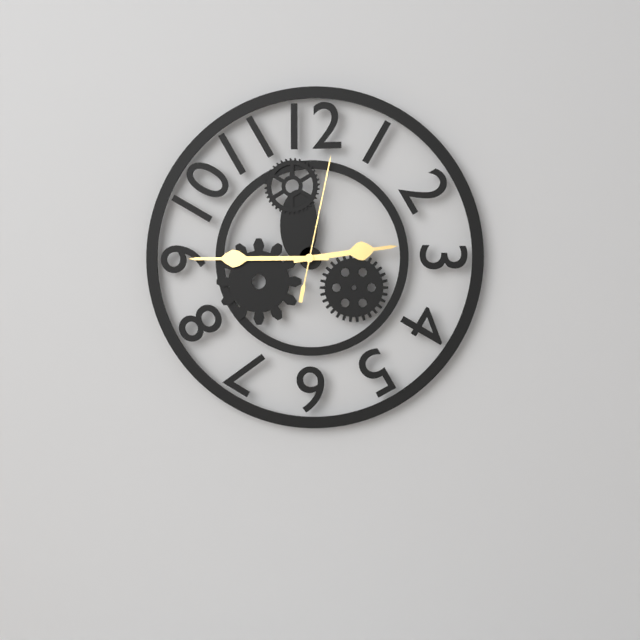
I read **2:45:02**
